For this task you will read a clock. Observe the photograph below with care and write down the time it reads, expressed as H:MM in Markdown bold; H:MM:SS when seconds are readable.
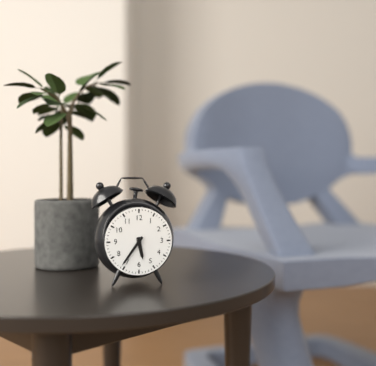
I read **5:36**
